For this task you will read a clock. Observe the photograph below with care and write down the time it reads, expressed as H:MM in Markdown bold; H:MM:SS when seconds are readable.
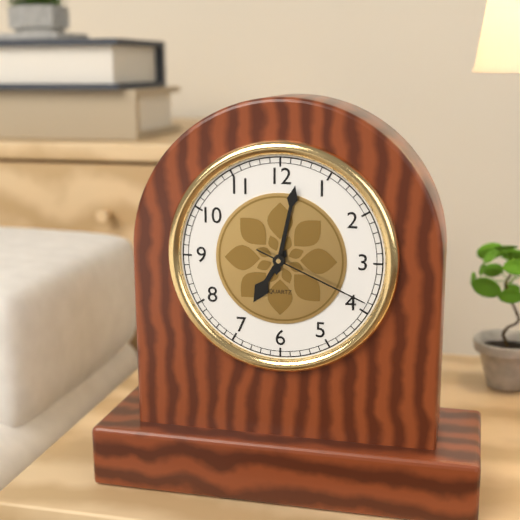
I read **7:02:19**
